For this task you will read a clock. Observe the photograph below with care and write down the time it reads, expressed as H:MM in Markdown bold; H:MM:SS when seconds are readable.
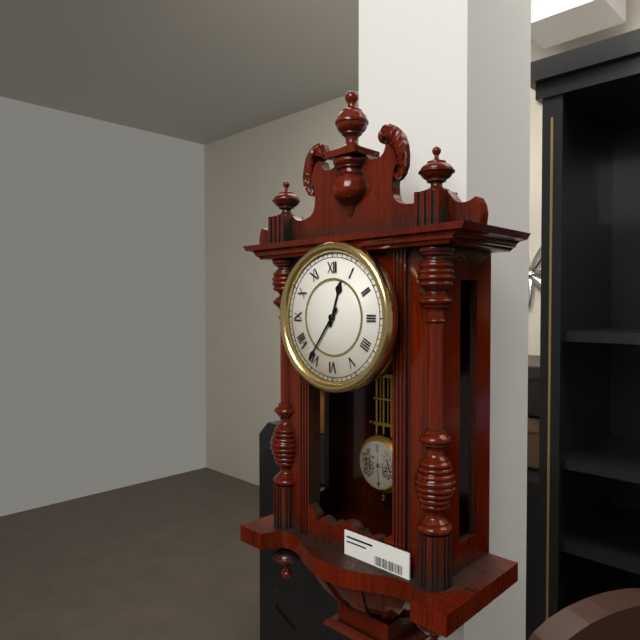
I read **12:36**
